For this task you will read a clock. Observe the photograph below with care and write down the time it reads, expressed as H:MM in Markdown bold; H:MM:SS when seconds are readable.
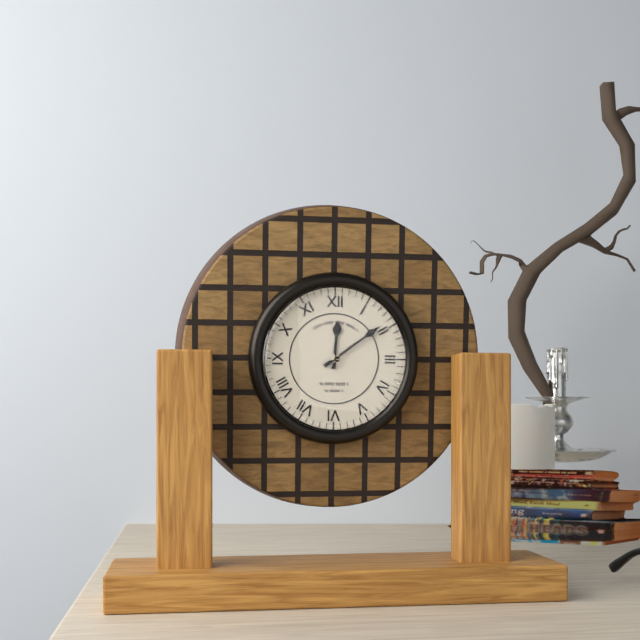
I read **12:09**
